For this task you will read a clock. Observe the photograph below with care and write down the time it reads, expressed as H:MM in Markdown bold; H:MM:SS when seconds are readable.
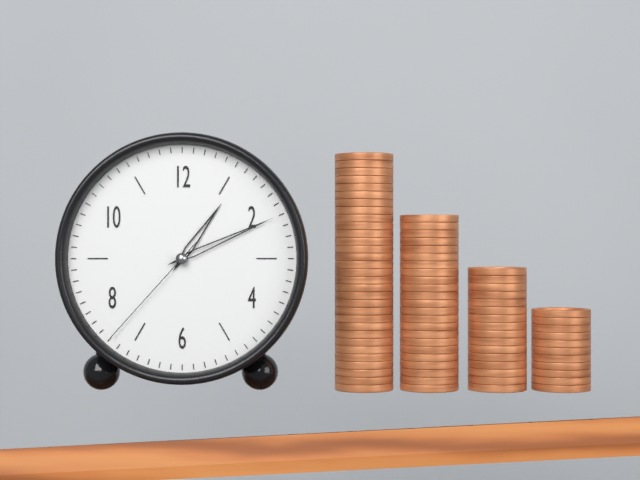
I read **1:11:37**
